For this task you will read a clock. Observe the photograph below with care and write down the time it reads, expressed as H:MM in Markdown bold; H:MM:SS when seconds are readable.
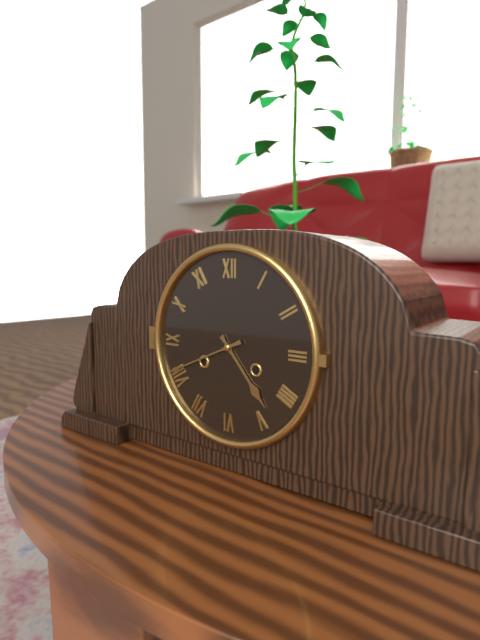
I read **4:41**
